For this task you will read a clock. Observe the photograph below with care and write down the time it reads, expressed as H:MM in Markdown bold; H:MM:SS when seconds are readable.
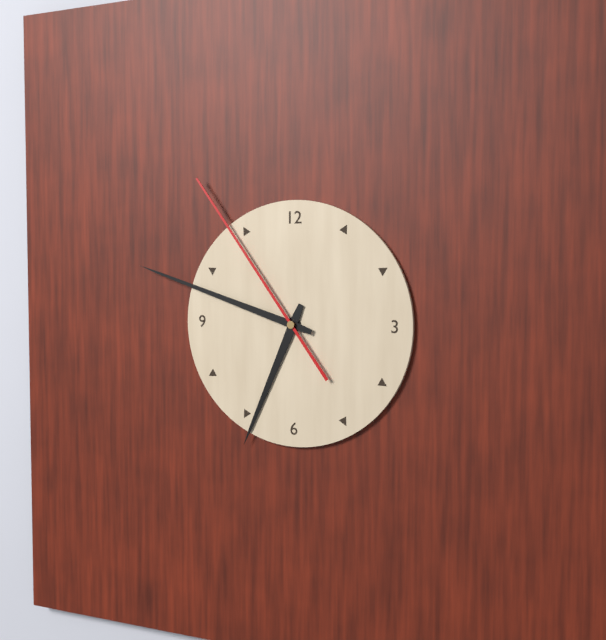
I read **6:48:54**
